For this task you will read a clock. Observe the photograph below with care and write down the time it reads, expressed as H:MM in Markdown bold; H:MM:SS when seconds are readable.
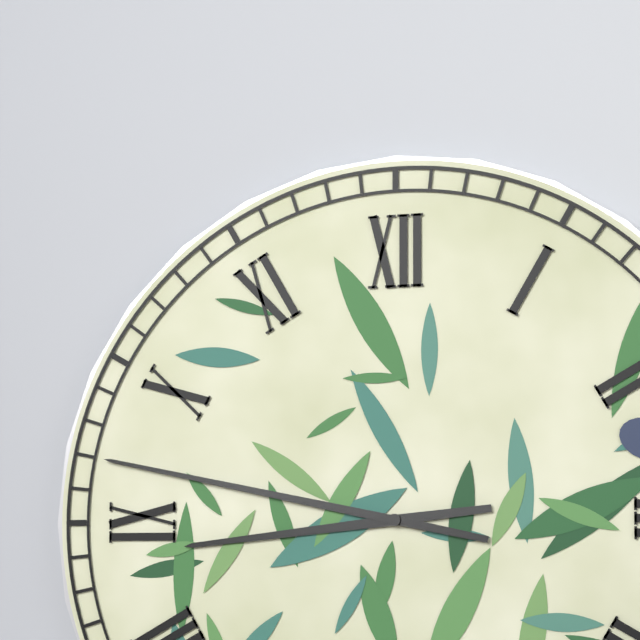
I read **8:47**
